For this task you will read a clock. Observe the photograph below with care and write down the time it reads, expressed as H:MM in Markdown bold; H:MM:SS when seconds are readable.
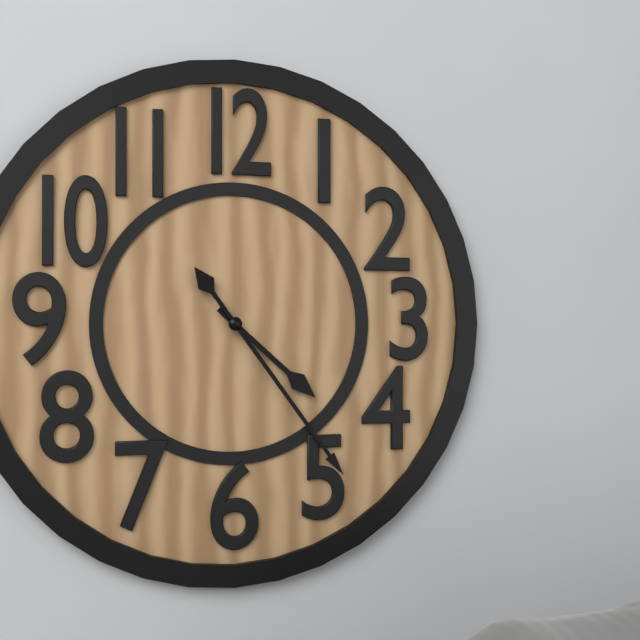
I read **4:24**
